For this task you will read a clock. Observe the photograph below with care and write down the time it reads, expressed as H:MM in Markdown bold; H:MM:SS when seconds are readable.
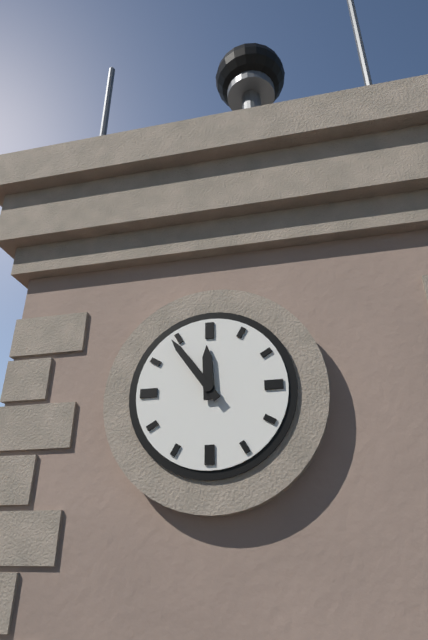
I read **11:54**
